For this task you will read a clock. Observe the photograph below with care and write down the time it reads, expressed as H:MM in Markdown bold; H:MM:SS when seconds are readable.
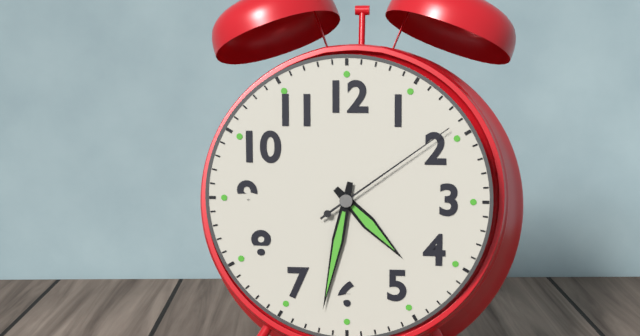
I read **4:32:09**
